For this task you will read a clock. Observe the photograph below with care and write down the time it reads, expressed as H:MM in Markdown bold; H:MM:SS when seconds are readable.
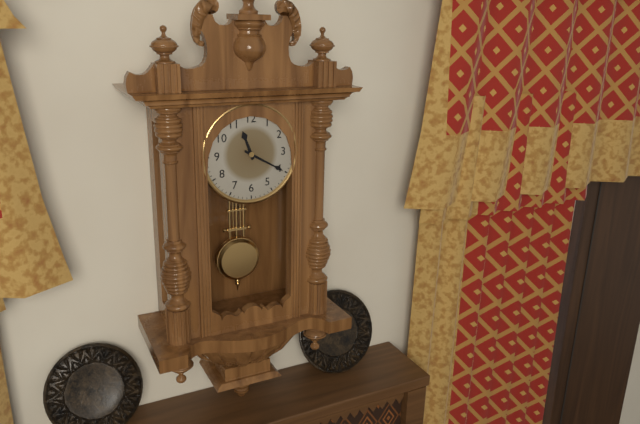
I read **11:20**
